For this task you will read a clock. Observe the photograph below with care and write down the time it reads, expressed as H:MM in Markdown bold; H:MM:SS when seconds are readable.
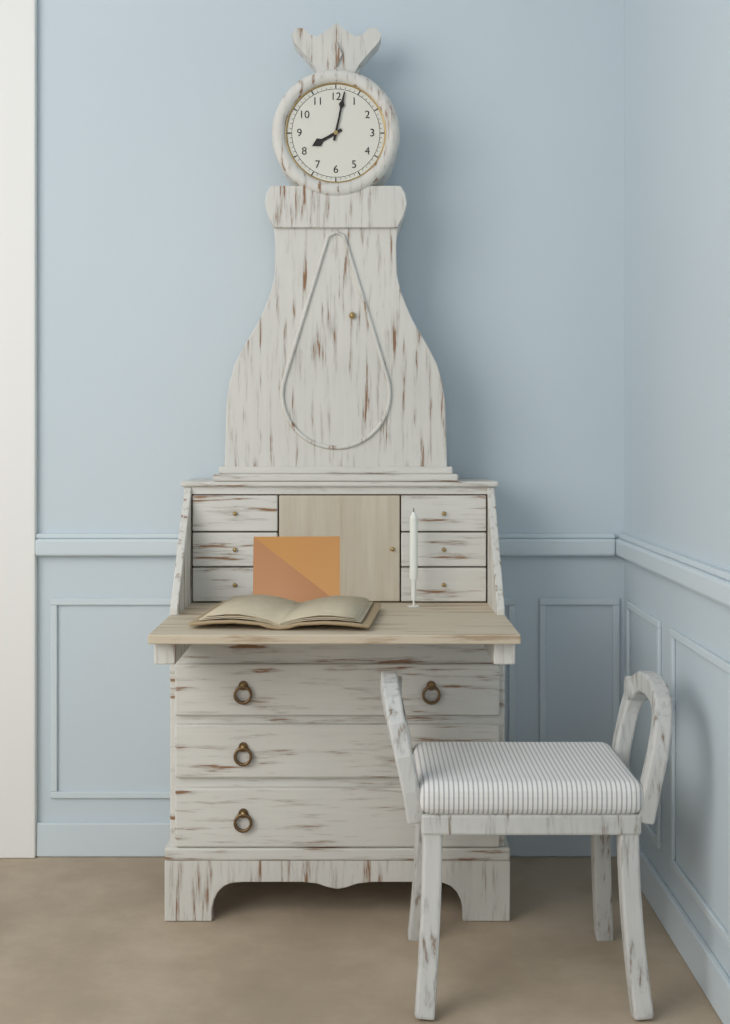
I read **8:02**
